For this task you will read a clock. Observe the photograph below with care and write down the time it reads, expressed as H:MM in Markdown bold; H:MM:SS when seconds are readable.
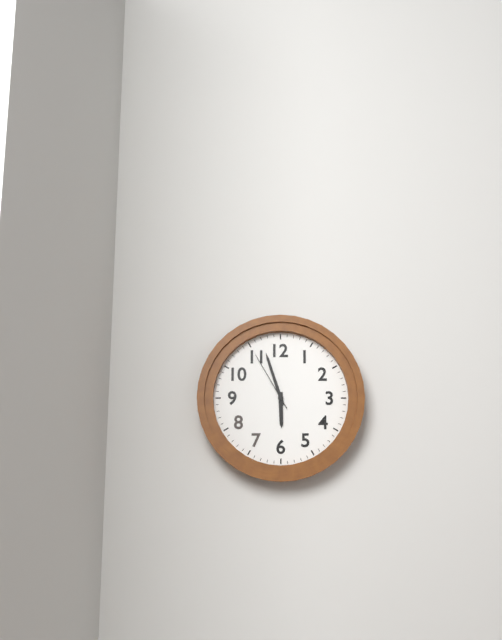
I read **5:57:55**
